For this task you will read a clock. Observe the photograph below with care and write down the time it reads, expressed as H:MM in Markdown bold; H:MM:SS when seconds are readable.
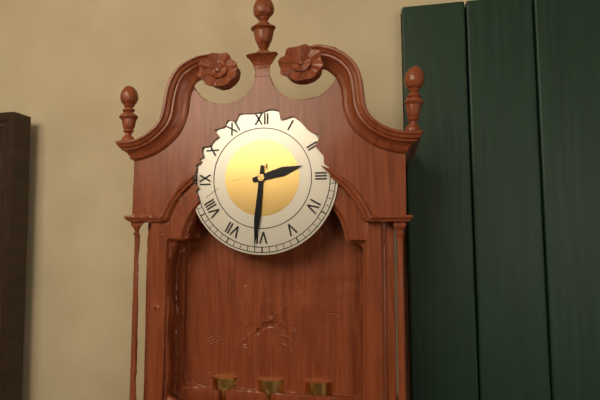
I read **2:31**
